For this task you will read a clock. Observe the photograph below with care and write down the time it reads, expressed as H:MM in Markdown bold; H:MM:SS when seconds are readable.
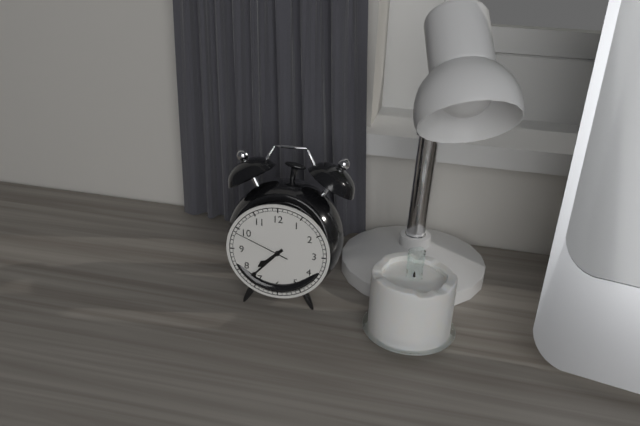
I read **7:37:49**
